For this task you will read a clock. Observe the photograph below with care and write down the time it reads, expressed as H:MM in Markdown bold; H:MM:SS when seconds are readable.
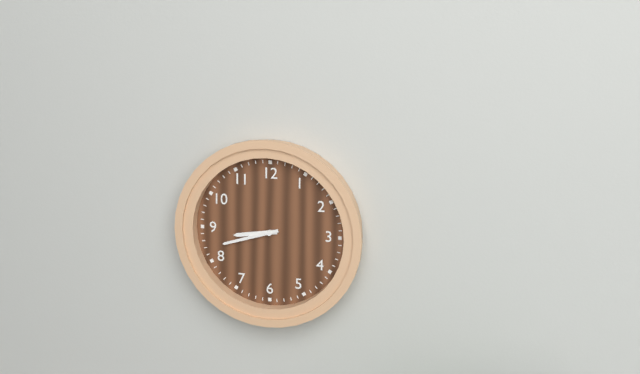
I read **8:42**
